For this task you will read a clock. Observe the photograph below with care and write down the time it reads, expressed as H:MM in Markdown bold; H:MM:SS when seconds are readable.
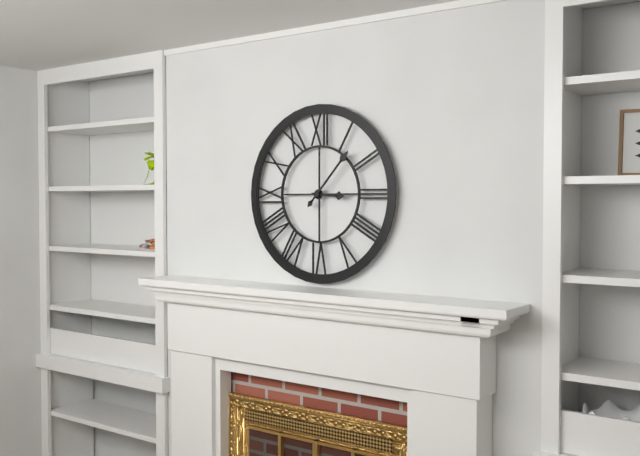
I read **3:07**
